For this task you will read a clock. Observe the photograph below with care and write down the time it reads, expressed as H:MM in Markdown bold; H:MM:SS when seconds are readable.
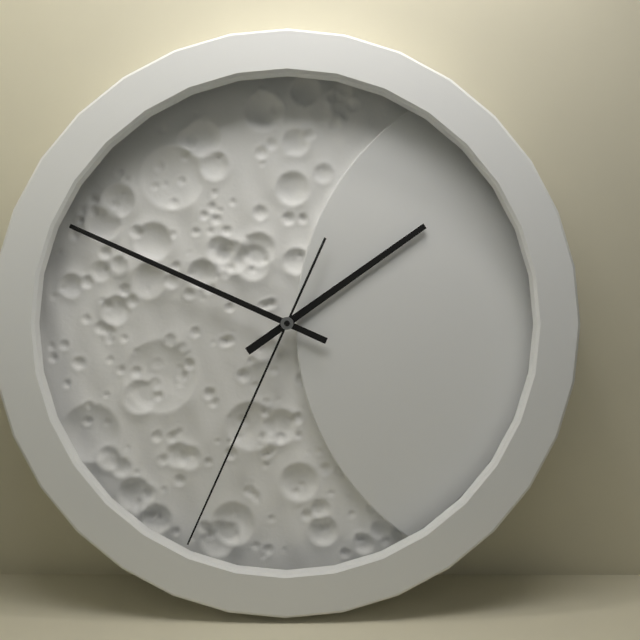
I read **1:49:34**
